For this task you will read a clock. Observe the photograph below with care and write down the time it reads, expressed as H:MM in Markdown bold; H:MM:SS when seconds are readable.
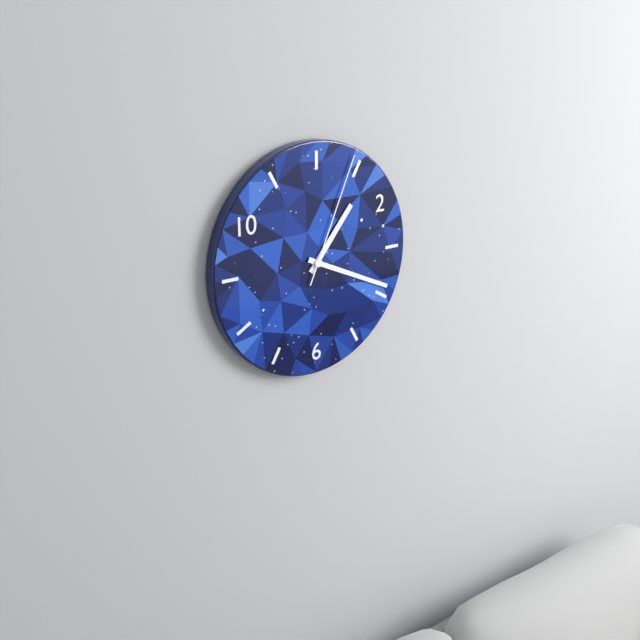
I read **1:19:04**
